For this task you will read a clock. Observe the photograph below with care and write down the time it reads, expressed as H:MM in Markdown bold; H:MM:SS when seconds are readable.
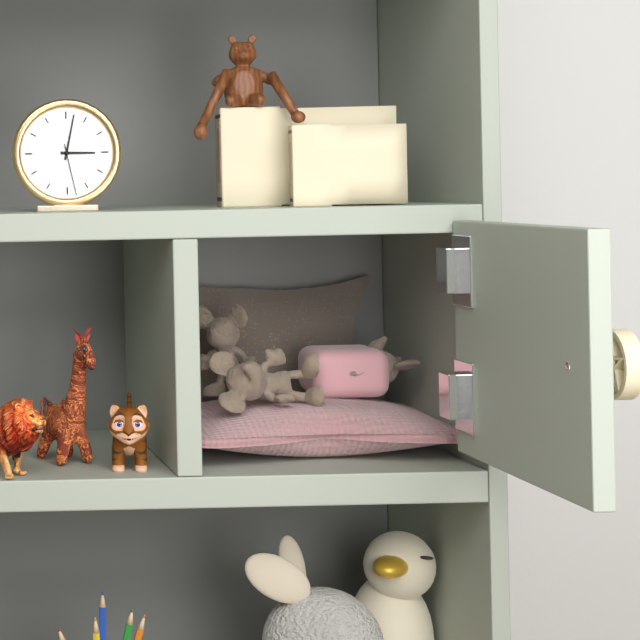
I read **3:02:28**
